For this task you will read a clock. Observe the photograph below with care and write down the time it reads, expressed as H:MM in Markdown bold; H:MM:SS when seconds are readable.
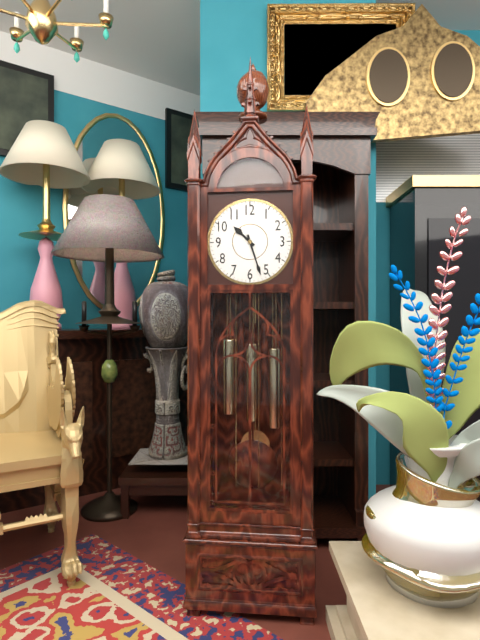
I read **10:27**
